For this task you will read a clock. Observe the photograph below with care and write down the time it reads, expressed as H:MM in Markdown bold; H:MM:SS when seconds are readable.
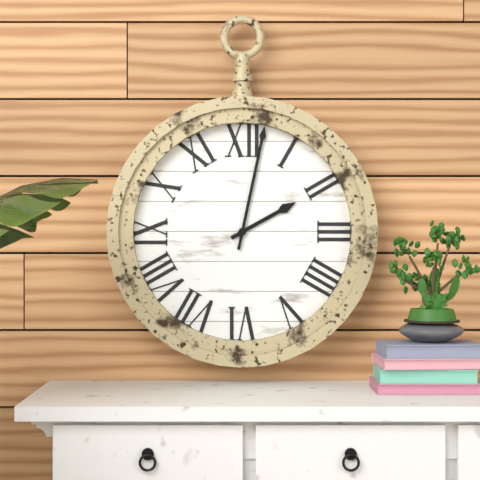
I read **2:02**
